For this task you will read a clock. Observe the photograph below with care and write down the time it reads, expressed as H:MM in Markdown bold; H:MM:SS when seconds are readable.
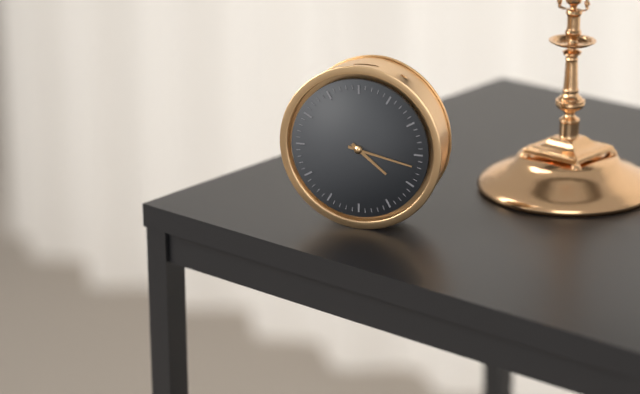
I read **4:17**
